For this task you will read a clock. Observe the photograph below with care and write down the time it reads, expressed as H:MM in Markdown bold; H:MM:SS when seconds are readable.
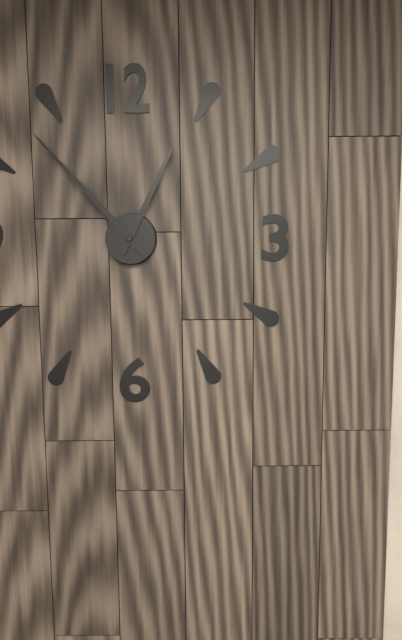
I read **12:53**
